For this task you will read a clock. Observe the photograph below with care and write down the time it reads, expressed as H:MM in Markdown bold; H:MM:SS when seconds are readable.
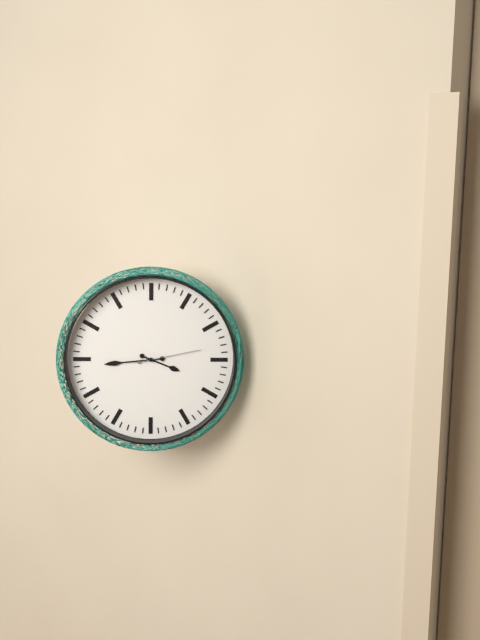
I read **3:44:13**
